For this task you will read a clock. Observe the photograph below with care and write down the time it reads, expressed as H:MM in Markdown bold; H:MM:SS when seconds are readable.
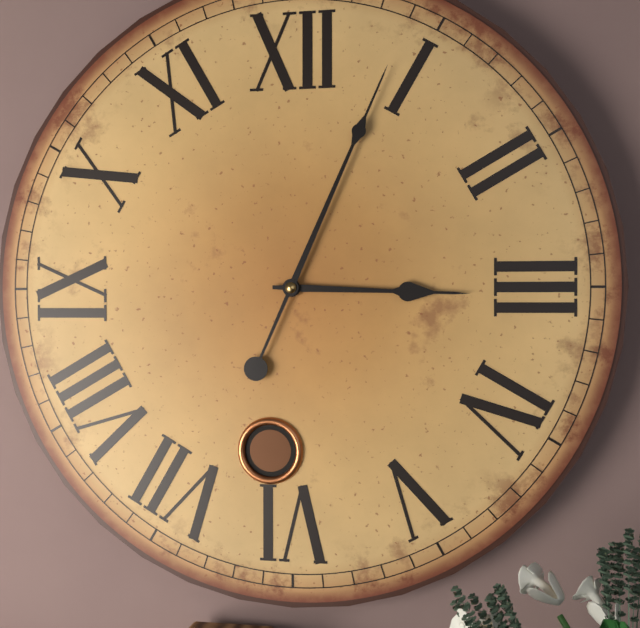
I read **3:04**
